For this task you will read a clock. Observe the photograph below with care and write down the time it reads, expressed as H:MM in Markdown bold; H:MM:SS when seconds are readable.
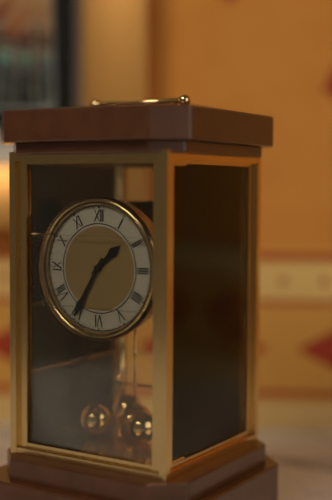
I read **1:35**
